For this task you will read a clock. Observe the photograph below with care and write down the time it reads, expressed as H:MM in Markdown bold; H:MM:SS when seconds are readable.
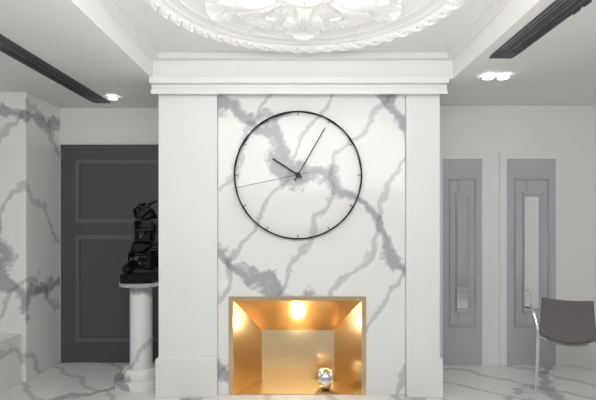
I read **10:05:43**
